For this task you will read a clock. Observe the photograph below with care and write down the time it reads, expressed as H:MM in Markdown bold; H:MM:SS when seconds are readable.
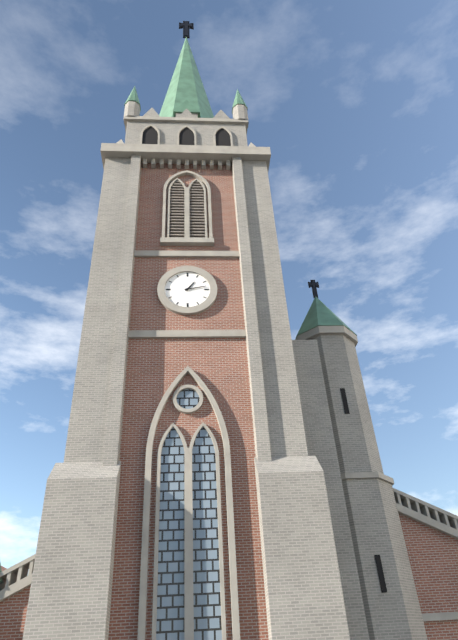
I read **1:13**
